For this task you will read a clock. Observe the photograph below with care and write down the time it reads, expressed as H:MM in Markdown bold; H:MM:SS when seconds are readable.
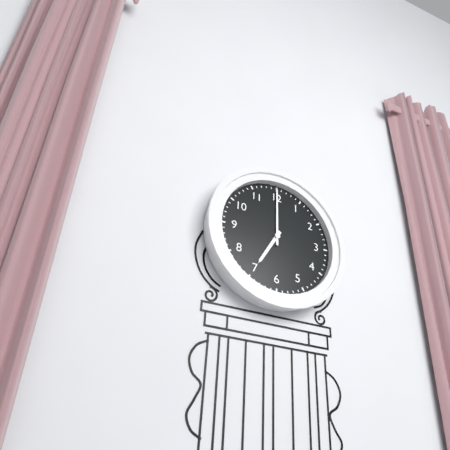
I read **7:00**
